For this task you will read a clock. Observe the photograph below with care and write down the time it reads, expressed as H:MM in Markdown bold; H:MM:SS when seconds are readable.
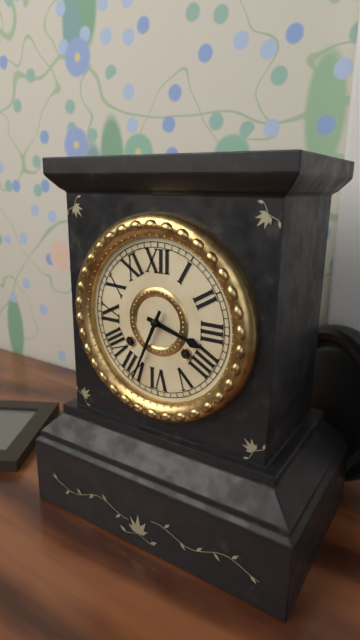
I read **3:34**
